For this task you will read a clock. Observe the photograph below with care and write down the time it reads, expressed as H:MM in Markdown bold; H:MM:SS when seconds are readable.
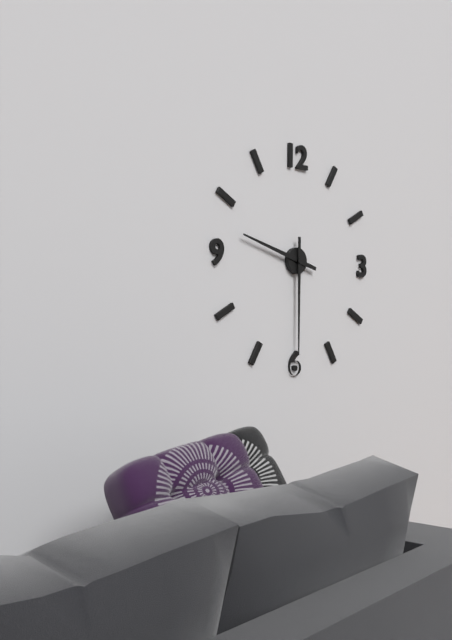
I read **9:30**
